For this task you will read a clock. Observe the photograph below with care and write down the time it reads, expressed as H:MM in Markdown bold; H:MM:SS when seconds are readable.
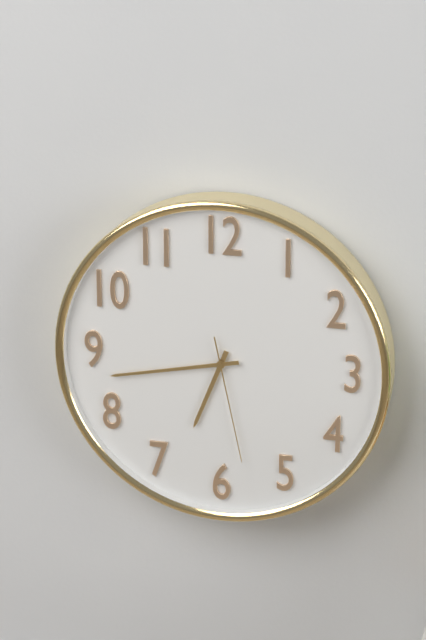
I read **6:43:28**
